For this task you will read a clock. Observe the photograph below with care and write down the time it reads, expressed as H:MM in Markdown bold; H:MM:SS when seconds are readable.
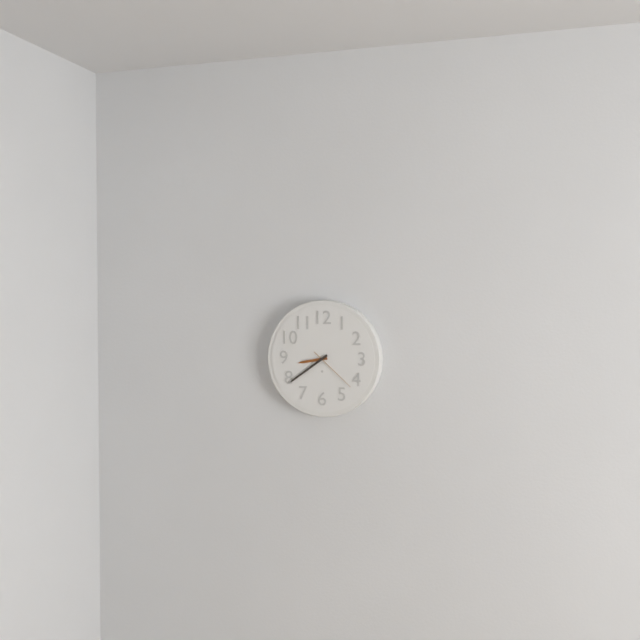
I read **8:39**
